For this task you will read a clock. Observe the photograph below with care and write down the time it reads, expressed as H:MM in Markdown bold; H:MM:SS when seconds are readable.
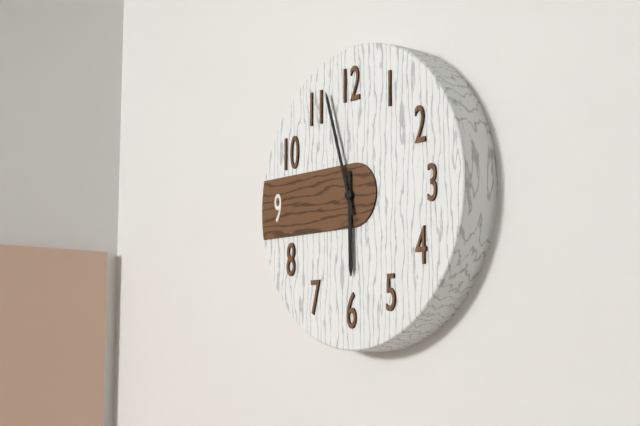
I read **5:57**
